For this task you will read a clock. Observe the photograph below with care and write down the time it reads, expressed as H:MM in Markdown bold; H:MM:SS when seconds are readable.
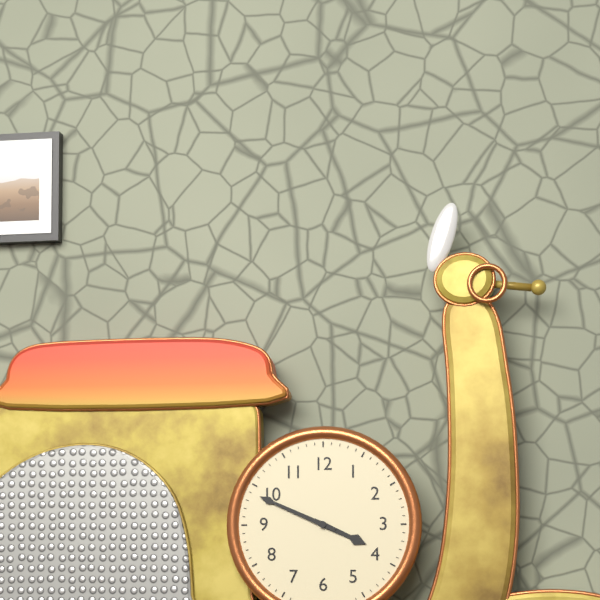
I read **3:49**
